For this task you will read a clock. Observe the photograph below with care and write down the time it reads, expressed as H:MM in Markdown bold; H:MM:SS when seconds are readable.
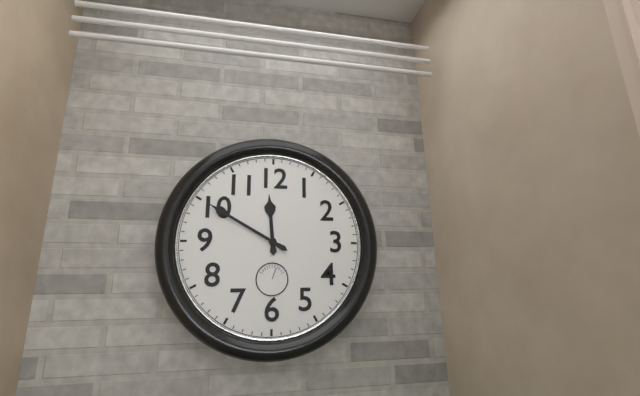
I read **11:50**
